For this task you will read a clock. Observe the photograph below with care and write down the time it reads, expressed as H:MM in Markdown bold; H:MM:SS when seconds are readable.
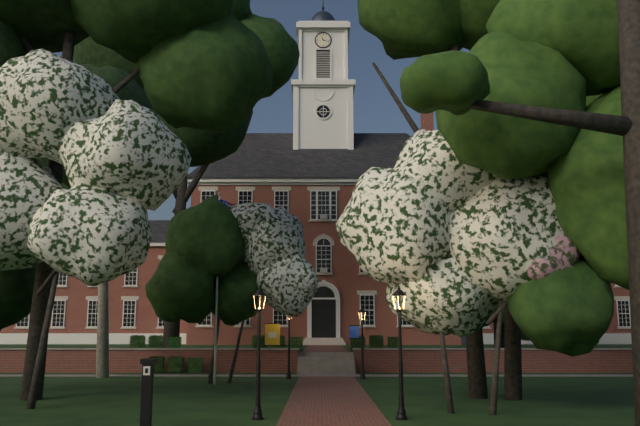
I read **11:18**
